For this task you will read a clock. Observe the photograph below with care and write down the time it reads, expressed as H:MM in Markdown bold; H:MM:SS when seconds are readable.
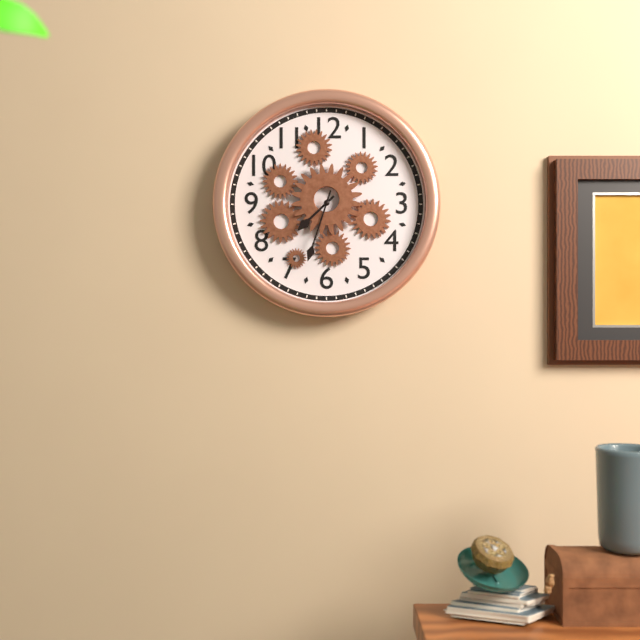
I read **7:33**
